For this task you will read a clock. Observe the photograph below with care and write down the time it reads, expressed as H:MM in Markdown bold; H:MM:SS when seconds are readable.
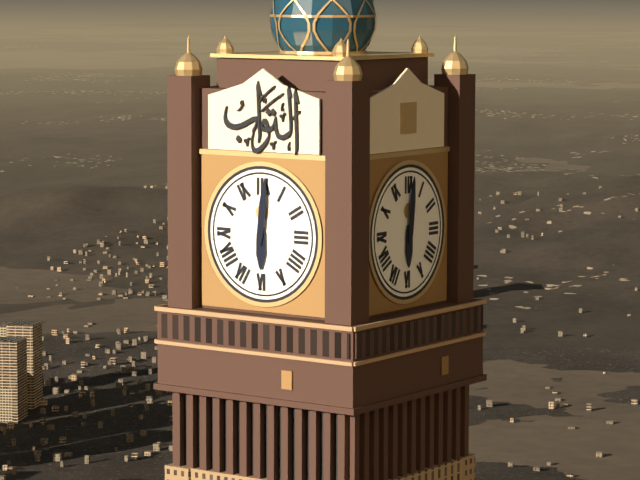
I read **6:01**
